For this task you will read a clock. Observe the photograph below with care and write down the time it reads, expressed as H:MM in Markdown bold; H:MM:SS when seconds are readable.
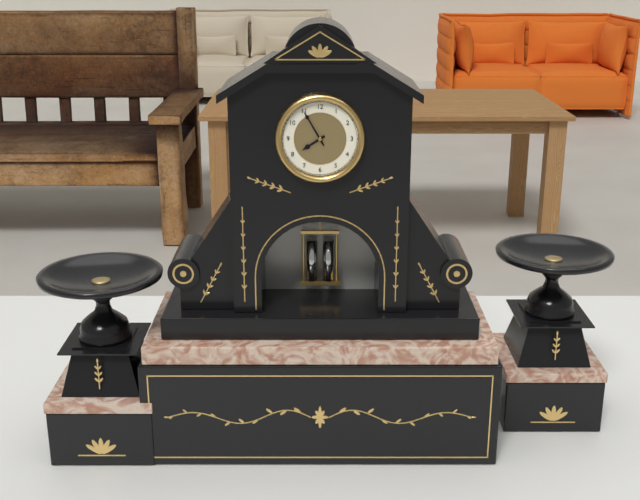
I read **7:55**
